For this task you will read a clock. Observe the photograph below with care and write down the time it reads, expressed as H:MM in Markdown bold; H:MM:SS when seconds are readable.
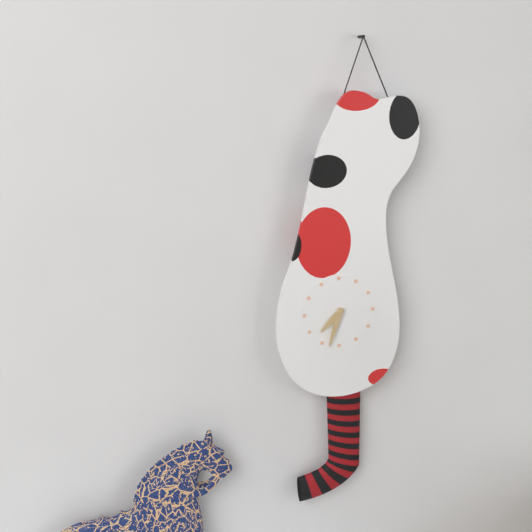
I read **7:33**
